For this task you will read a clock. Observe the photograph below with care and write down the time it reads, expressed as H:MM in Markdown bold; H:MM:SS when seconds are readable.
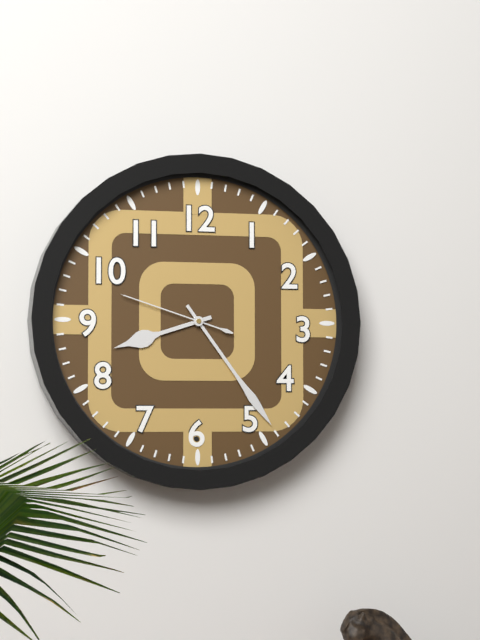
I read **8:24:48**
